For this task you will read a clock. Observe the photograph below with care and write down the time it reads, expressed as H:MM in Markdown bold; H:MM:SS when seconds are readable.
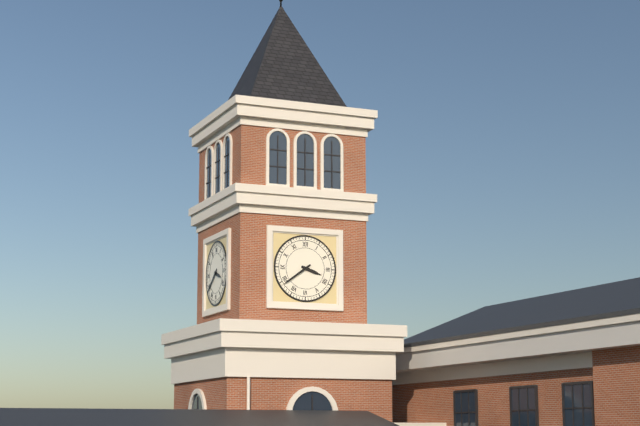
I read **3:39**
